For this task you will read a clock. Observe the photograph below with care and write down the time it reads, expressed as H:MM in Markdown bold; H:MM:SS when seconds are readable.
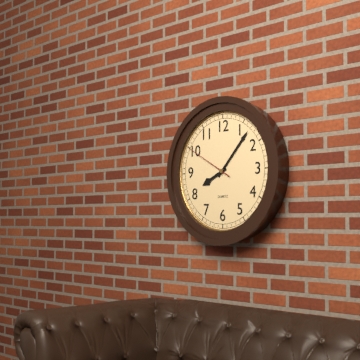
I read **8:07:50**
